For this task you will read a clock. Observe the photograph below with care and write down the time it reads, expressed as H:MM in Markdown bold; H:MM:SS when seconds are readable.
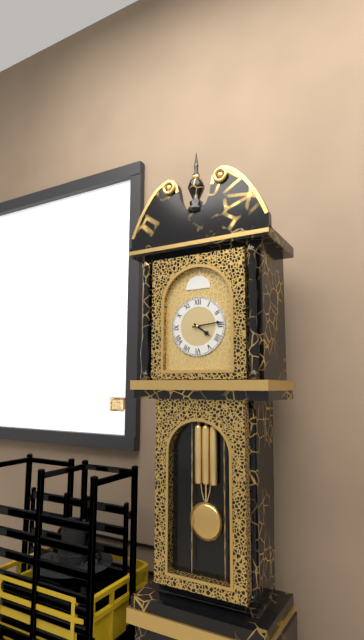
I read **4:14**
